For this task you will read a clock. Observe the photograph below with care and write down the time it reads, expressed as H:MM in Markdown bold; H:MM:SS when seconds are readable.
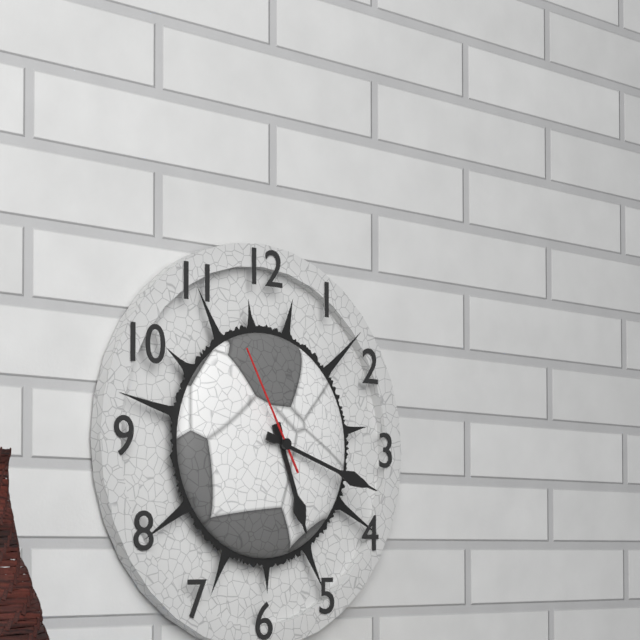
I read **5:18:55**
